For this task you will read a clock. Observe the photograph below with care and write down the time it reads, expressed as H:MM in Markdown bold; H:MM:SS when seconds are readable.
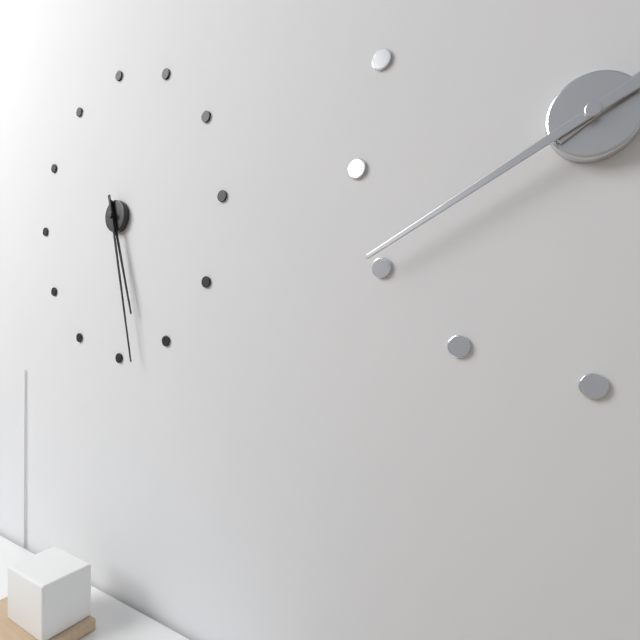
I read **5:28**
